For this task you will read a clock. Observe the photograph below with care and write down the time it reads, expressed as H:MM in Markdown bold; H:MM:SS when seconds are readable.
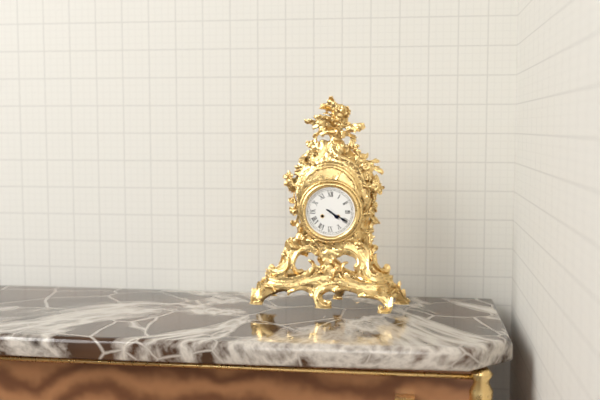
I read **4:20**
